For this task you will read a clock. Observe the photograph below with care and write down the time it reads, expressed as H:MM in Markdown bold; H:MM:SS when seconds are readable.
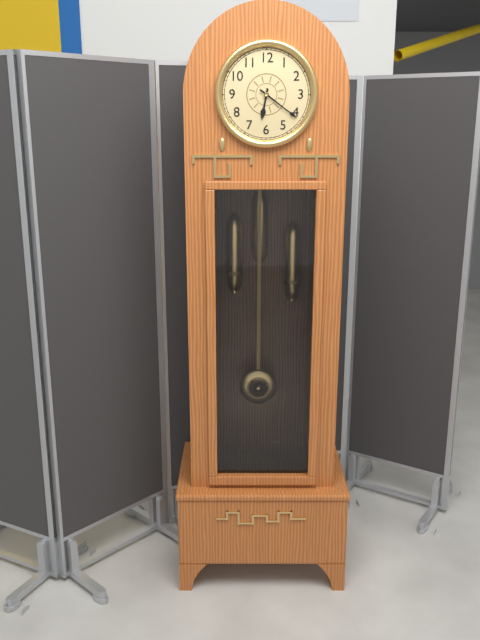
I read **6:21**
